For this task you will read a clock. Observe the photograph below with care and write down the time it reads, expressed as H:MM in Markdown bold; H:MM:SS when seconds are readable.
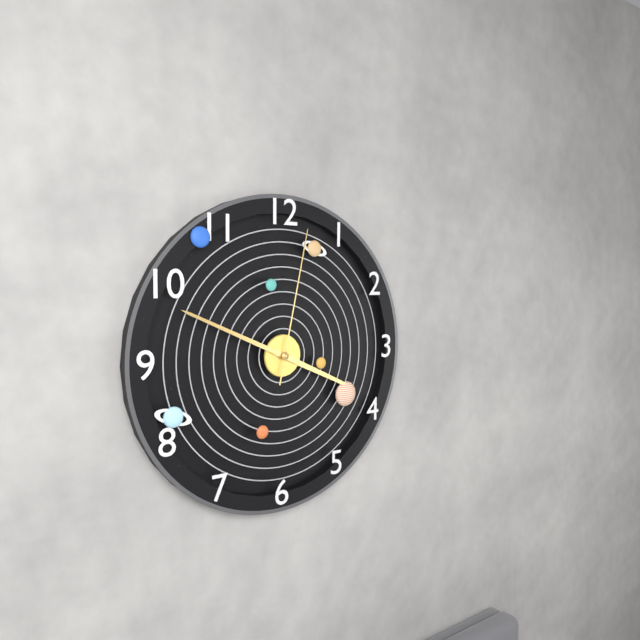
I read **3:49:02**
